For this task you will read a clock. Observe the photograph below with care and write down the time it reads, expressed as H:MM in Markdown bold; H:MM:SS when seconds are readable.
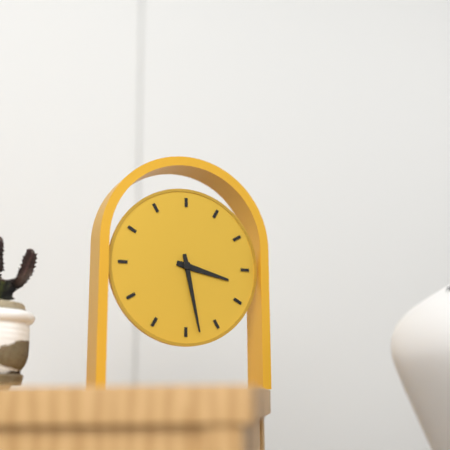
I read **3:28**
